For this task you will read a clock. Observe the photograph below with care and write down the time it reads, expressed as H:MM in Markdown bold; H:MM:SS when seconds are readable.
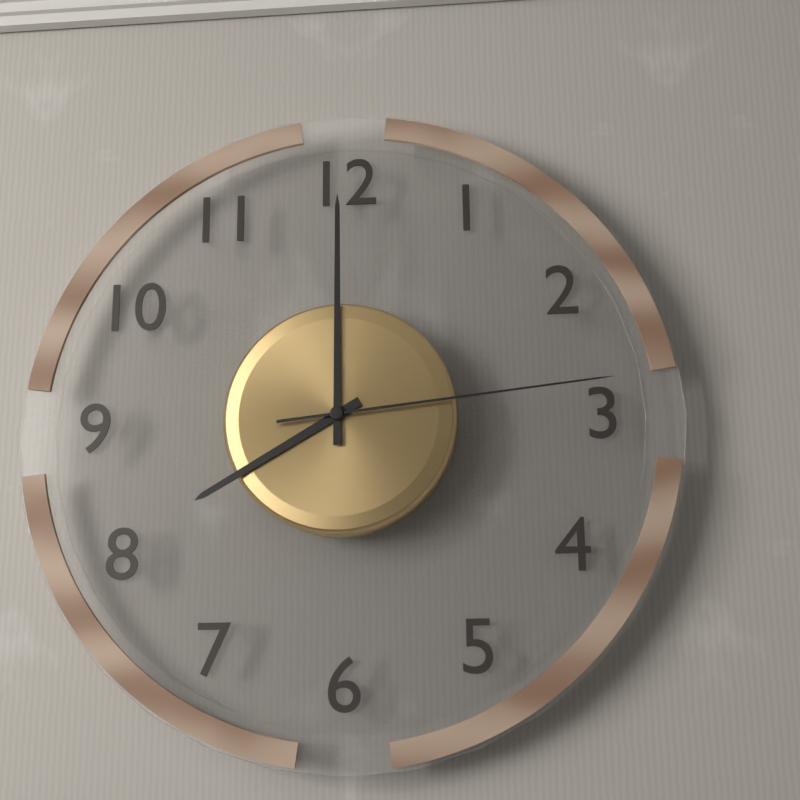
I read **8:00:14**
